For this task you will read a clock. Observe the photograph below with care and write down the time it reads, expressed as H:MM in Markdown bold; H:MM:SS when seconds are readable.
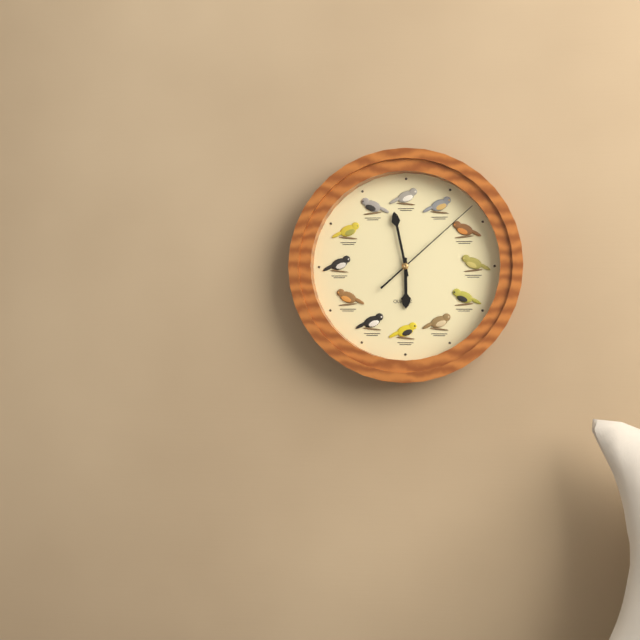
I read **5:58:08**
